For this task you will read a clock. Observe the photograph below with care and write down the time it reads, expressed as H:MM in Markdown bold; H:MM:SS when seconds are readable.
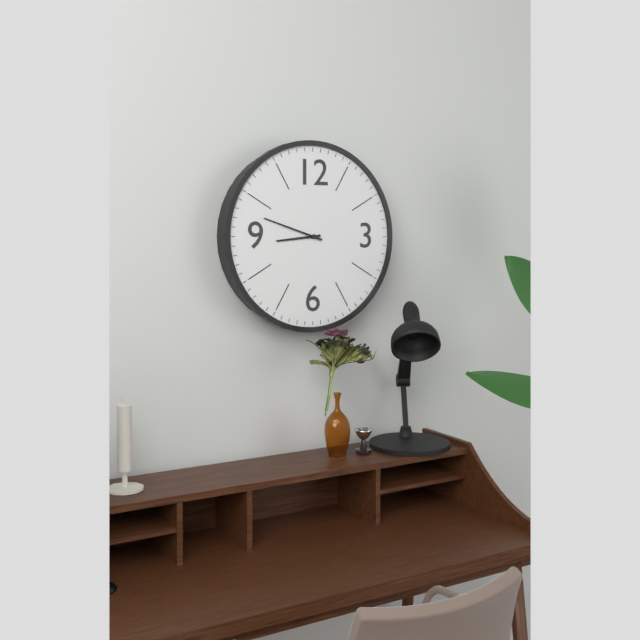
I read **8:48**
